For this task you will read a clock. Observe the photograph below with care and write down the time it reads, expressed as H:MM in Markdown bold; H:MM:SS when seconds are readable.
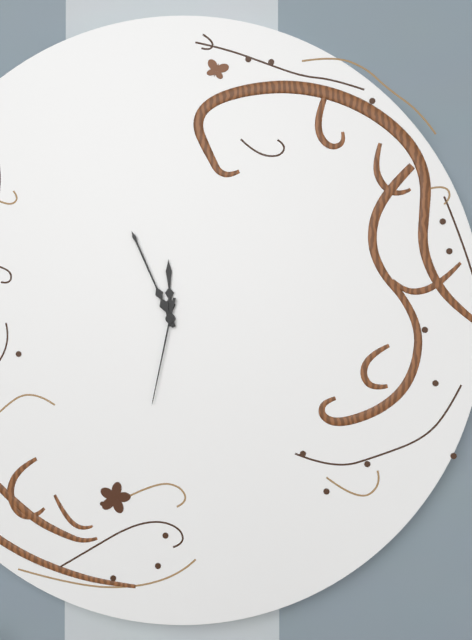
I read **11:56:32**
